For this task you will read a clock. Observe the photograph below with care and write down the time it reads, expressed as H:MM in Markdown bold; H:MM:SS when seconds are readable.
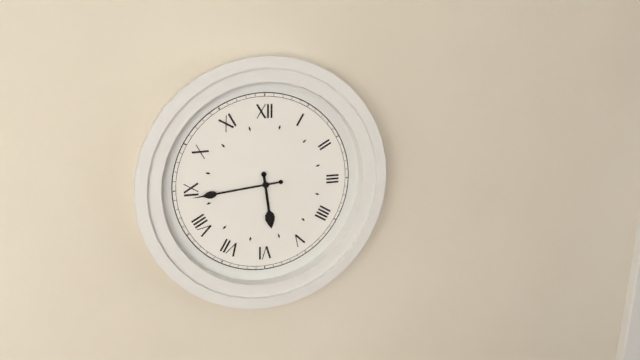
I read **5:44**
